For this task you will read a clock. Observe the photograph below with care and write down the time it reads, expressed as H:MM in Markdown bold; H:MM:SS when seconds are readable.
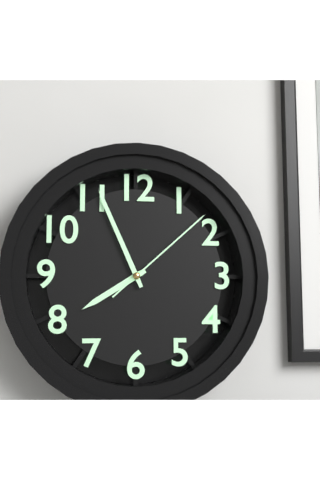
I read **7:56:08**
